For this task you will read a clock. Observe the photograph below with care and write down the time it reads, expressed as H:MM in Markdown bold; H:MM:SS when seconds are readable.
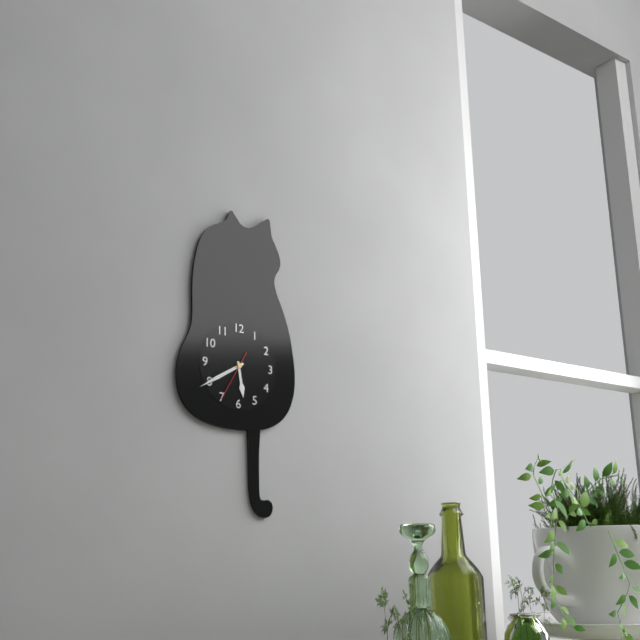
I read **5:40**
